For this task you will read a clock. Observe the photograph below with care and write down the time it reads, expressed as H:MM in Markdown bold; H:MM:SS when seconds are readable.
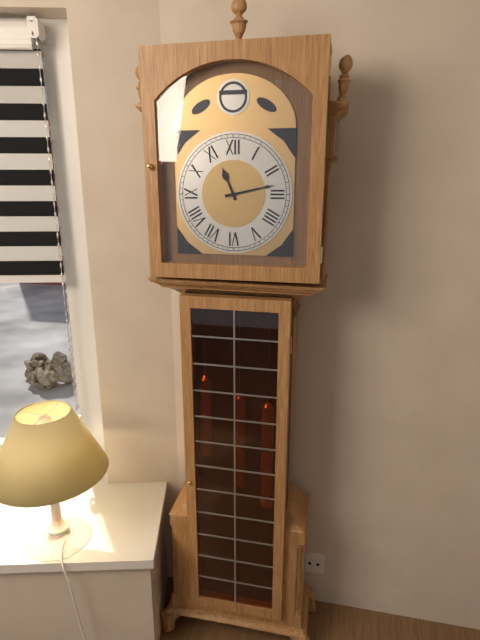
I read **11:13**
